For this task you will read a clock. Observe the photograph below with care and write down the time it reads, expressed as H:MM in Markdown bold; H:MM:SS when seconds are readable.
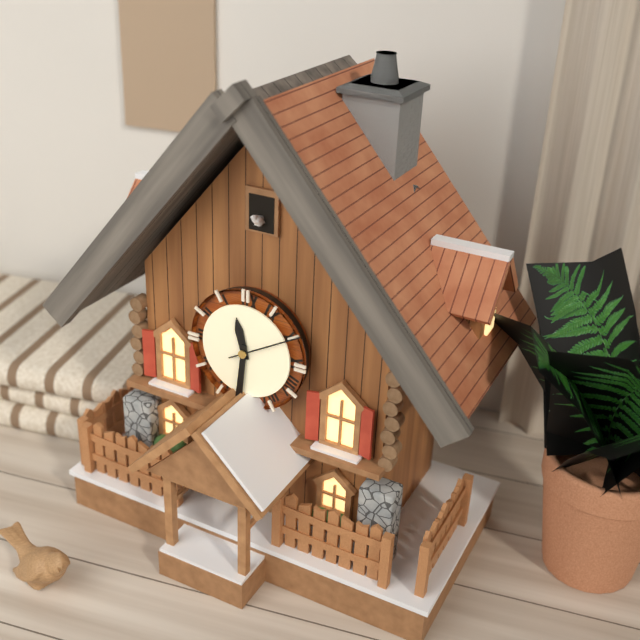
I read **11:31:10**
